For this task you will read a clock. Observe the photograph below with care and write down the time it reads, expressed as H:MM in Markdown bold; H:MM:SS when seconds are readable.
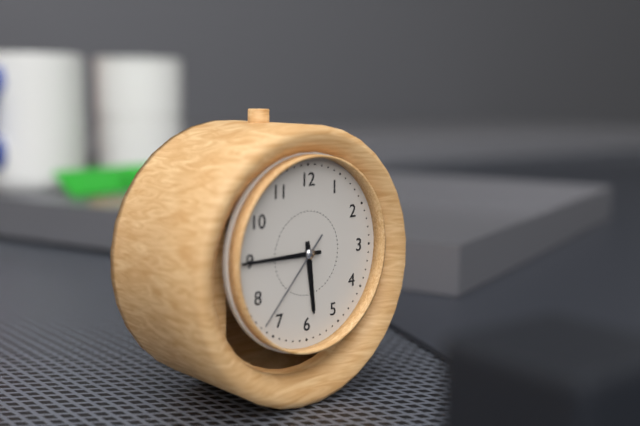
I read **5:45:37**
